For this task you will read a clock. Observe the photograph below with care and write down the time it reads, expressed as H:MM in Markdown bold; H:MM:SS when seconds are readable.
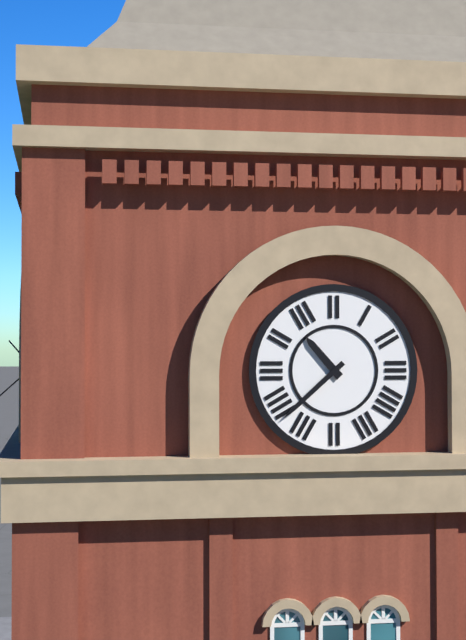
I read **10:38**
